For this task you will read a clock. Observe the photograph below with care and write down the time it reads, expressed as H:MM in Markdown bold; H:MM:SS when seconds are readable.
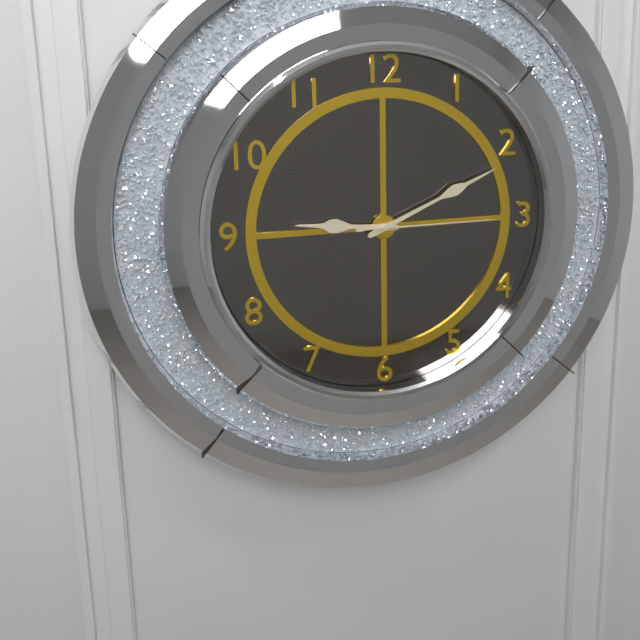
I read **9:11:15**
